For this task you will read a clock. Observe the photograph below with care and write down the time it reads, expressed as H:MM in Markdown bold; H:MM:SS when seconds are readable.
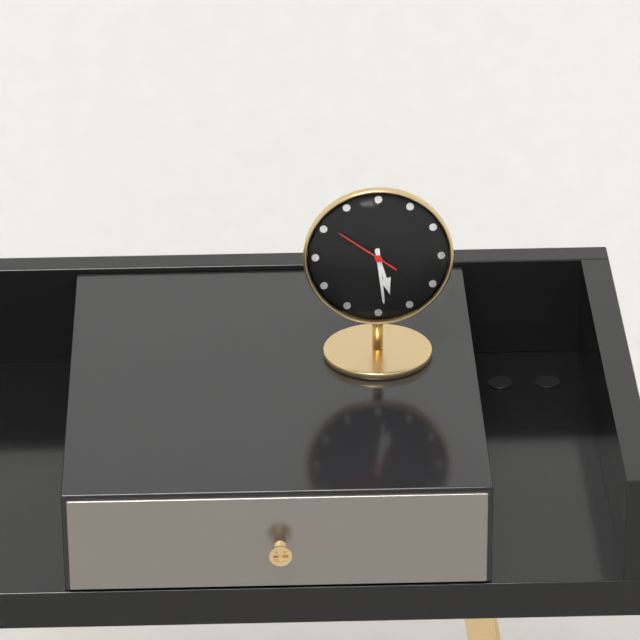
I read **5:29:51**
